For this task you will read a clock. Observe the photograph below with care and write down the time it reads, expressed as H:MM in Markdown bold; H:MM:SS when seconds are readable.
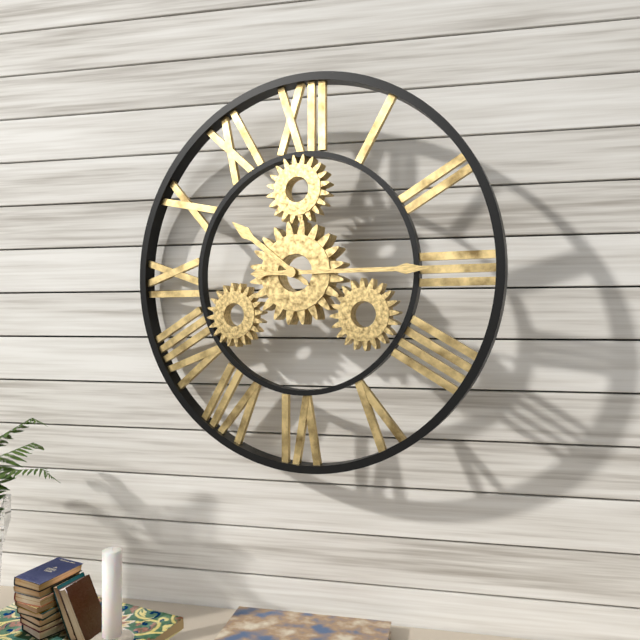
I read **10:15**
